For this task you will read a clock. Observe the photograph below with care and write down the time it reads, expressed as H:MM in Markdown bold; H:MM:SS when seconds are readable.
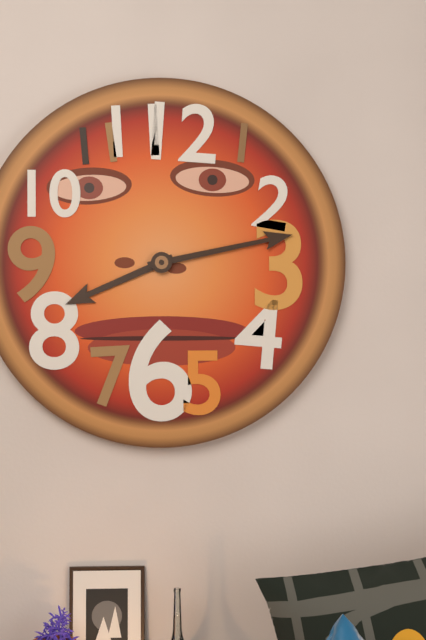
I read **8:13**
